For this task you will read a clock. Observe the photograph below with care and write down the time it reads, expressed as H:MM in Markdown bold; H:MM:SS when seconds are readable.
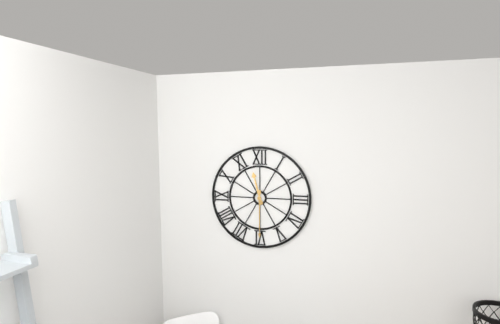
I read **11:30**
